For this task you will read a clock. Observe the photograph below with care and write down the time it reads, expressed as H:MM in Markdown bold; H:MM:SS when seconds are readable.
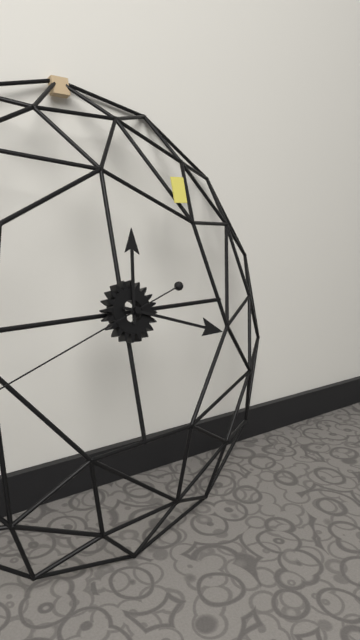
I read **12:18**
